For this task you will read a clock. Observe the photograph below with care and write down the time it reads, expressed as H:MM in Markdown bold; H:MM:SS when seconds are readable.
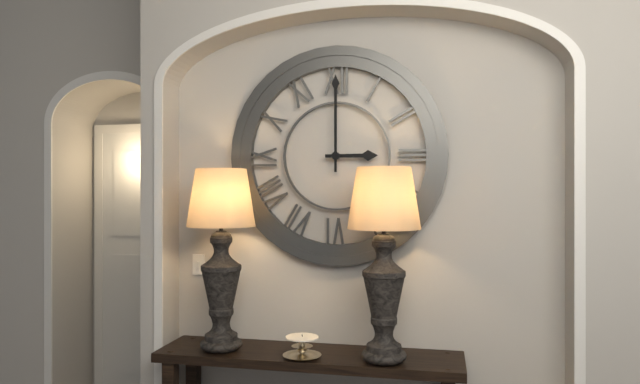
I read **3:00**
